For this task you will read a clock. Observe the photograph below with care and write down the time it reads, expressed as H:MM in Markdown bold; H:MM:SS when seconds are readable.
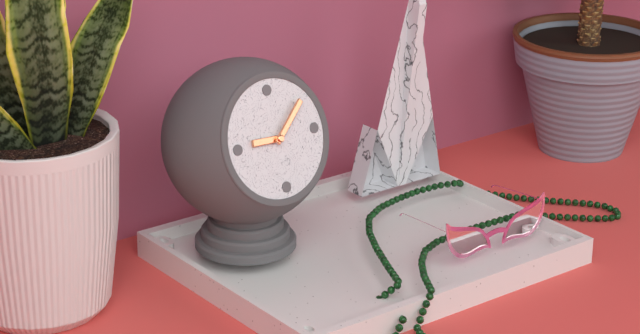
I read **9:08**
